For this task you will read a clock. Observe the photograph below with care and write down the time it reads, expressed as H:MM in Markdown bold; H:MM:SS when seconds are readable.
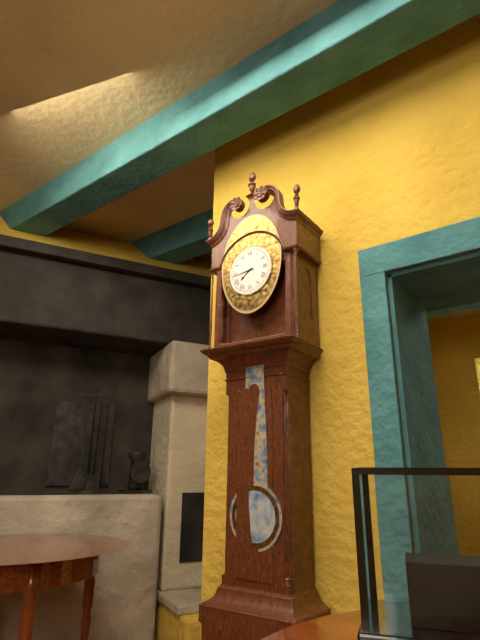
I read **7:44**
